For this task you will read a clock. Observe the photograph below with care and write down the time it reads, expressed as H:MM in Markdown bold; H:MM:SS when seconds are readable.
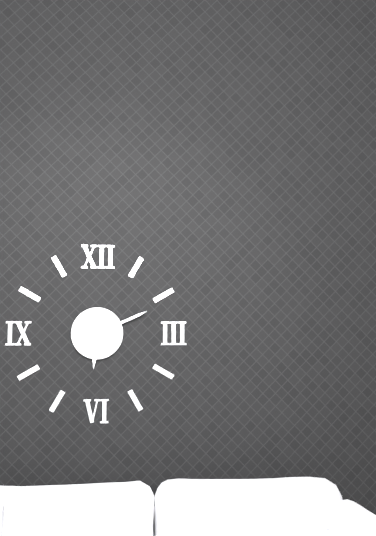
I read **6:11**
